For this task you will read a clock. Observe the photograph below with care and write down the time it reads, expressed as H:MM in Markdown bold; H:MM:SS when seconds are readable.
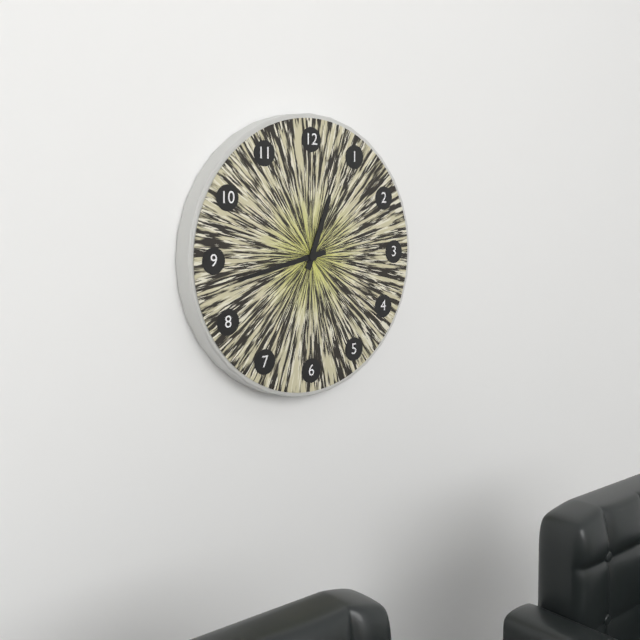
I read **12:43**
